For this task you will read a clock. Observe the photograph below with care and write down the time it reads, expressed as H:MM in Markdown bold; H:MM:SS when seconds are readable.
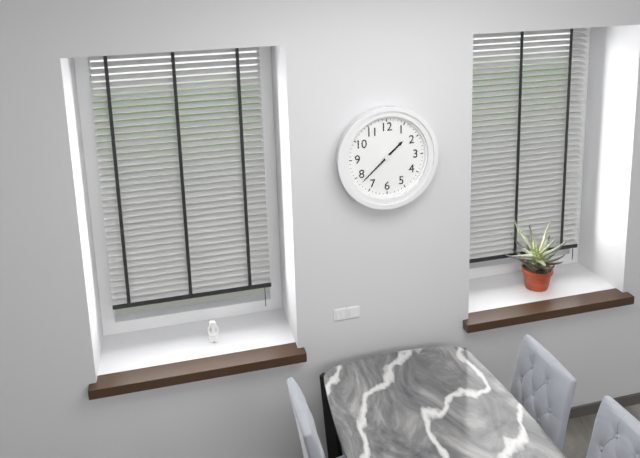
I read **1:38**
